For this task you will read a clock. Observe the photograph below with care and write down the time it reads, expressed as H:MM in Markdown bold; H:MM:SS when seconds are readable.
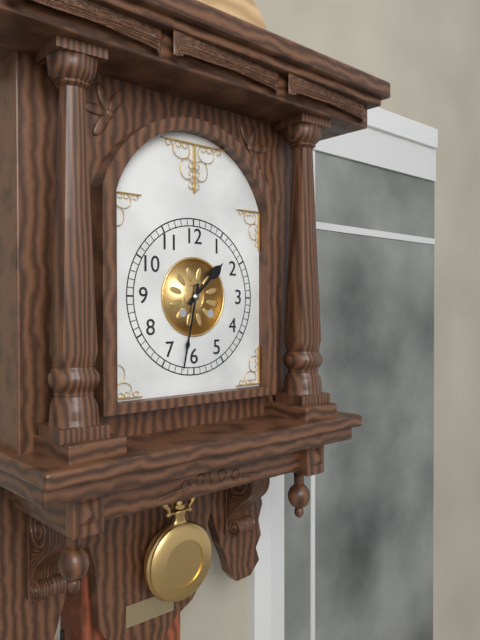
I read **1:32**
